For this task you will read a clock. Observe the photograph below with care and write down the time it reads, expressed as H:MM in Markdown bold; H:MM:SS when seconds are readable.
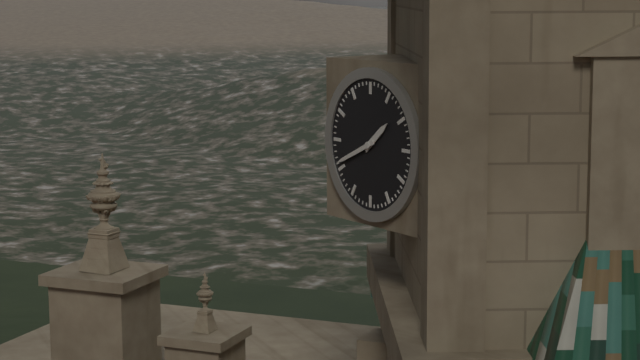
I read **1:41**
